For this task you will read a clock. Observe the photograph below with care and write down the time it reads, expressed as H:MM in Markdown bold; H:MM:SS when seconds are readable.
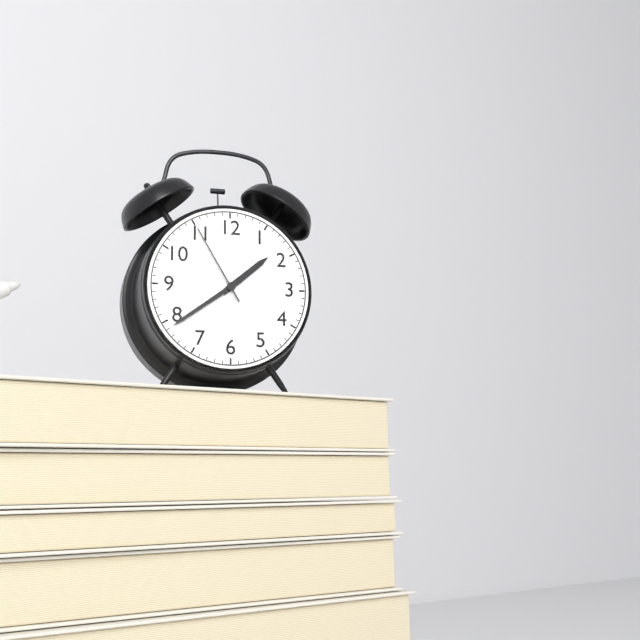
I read **1:39:55**
